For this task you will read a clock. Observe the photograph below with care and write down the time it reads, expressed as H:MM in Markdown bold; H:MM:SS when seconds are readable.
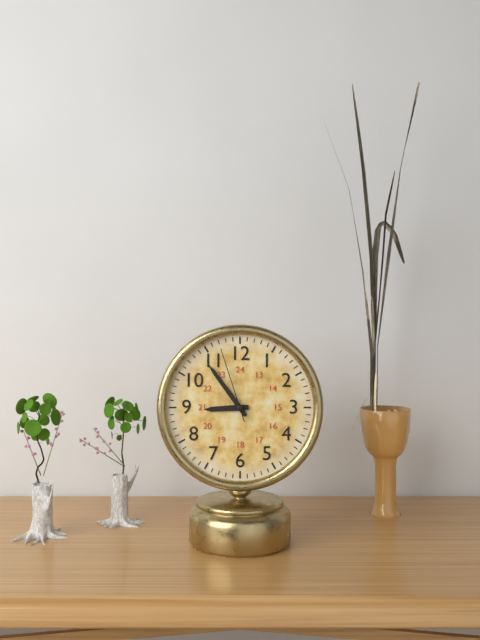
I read **8:54:57**
